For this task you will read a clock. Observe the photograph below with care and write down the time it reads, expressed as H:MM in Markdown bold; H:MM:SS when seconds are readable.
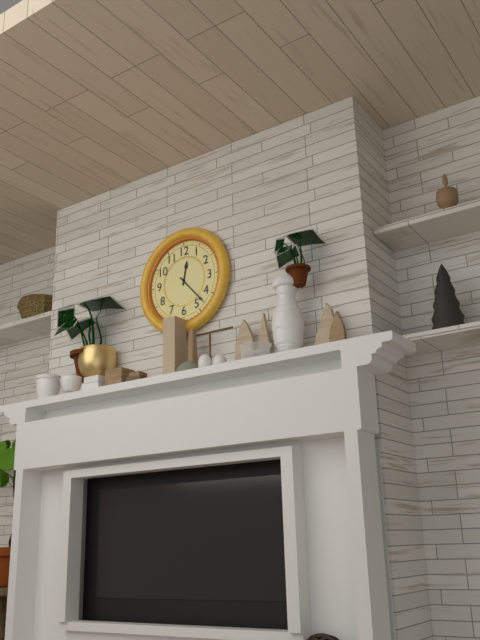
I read **12:23**
